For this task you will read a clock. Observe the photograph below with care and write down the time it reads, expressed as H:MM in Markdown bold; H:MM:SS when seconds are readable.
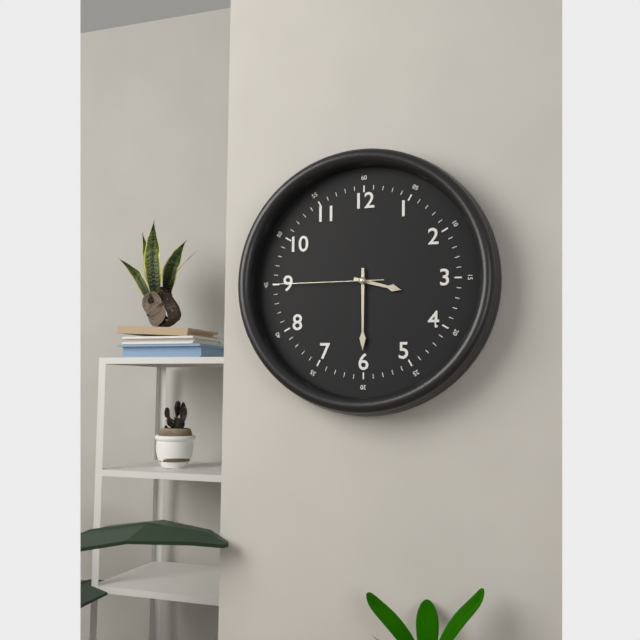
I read **3:30:45**
